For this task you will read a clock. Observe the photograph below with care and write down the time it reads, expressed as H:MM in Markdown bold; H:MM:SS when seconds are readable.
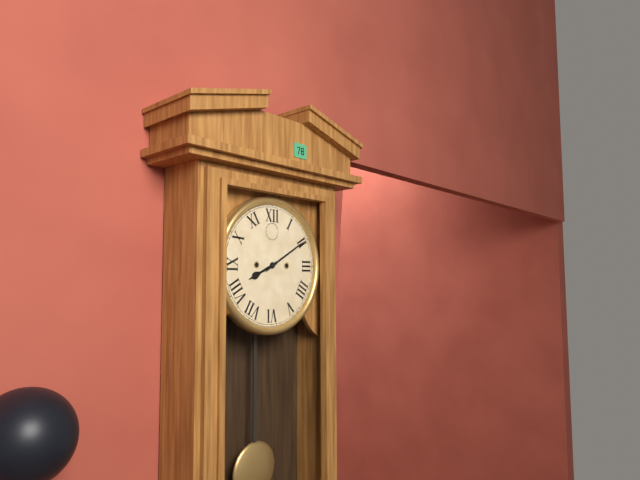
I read **8:10**
